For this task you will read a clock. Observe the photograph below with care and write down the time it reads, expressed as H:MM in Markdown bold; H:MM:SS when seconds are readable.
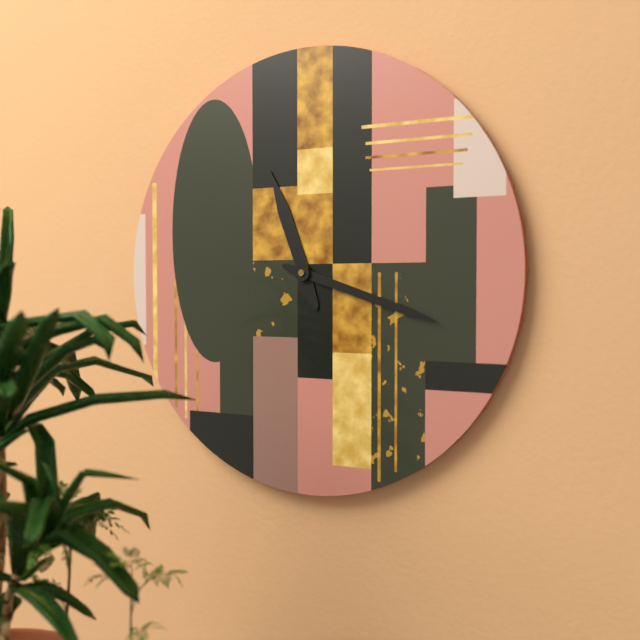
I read **11:18**
